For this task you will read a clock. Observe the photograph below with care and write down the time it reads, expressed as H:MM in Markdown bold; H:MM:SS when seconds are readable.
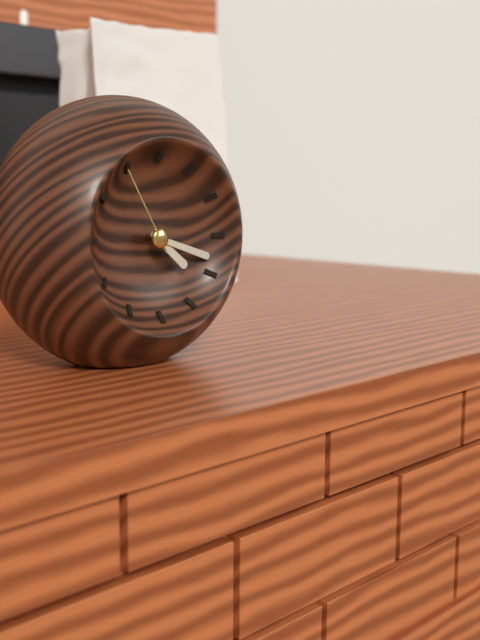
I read **4:18:55**
